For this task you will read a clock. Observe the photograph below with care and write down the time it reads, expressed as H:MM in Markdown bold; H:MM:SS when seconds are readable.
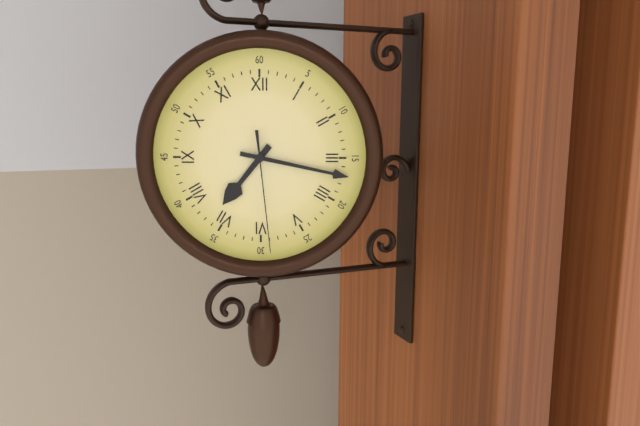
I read **7:17:29**
